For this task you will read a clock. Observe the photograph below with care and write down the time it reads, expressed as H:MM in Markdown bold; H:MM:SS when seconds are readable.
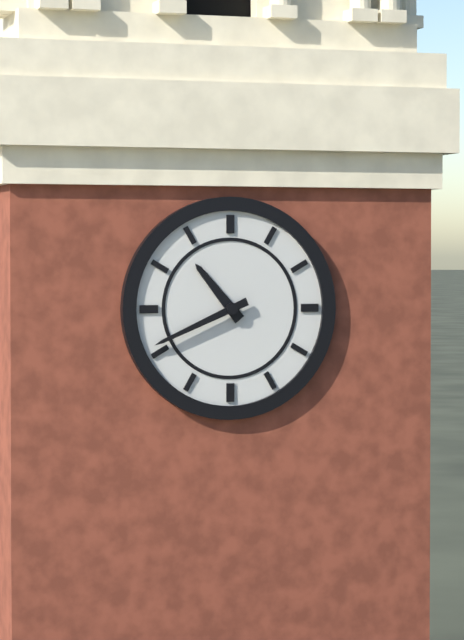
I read **10:41**
